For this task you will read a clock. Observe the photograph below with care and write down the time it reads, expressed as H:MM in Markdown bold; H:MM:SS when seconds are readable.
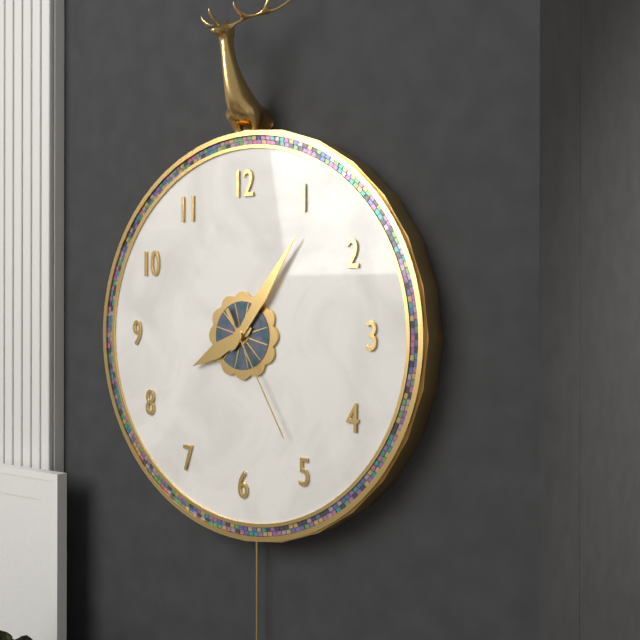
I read **8:06:25**
